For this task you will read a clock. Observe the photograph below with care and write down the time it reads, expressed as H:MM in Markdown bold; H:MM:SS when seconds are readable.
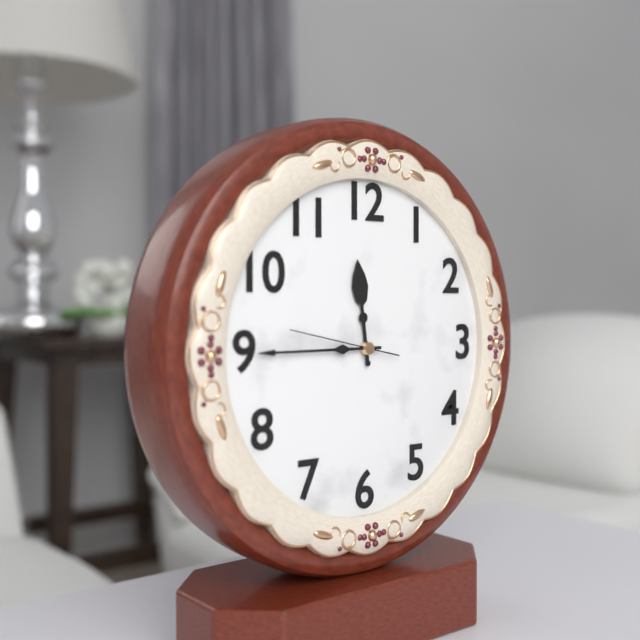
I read **11:45:47**
